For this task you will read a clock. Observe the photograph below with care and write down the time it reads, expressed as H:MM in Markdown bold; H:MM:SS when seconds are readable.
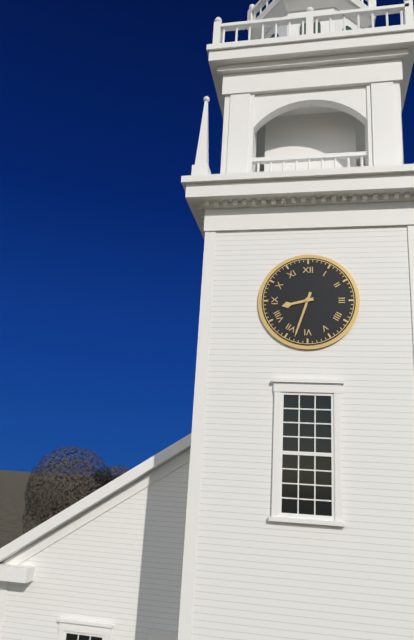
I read **8:33**
